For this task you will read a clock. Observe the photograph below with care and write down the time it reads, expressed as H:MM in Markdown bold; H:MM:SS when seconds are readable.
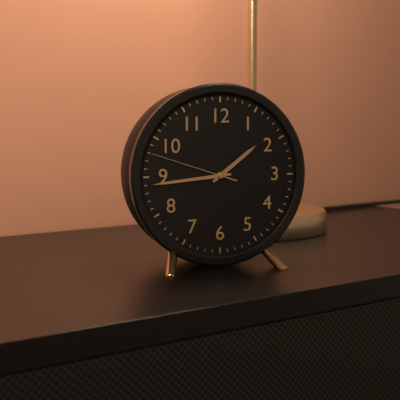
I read **1:44:48**
